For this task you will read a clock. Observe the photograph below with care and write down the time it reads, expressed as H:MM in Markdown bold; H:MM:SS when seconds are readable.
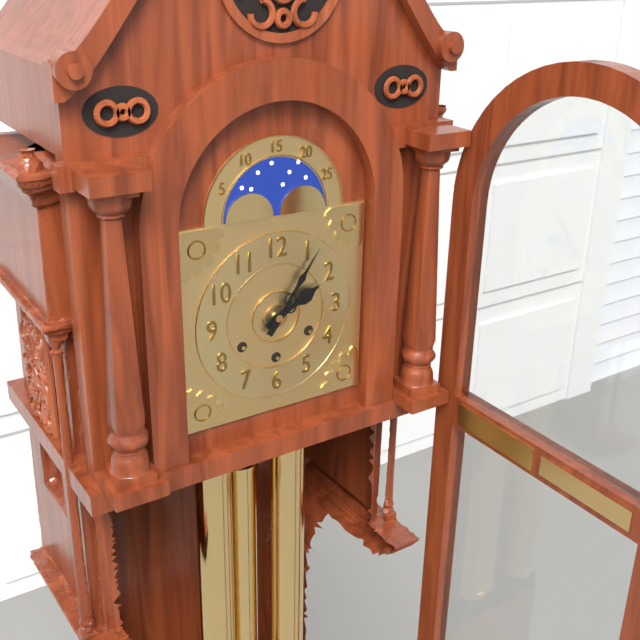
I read **2:06**
